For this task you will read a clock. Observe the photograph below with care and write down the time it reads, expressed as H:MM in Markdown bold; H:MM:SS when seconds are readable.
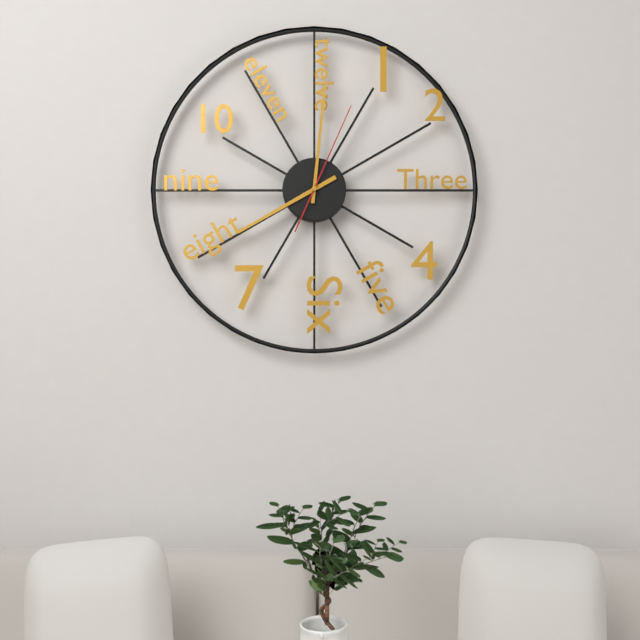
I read **8:01:04**
